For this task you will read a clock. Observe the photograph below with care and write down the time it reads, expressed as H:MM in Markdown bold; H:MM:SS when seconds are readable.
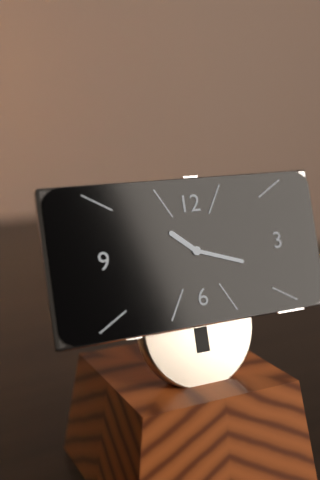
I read **10:18**
